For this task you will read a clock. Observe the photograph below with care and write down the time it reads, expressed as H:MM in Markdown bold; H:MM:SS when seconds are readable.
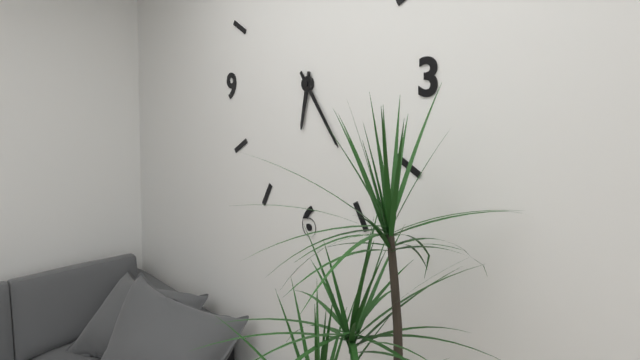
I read **6:24**
